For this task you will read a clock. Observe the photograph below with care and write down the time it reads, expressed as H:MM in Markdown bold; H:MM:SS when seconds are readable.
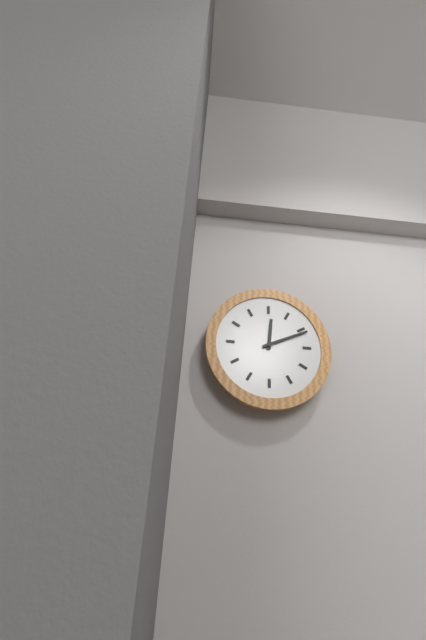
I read **12:11**
